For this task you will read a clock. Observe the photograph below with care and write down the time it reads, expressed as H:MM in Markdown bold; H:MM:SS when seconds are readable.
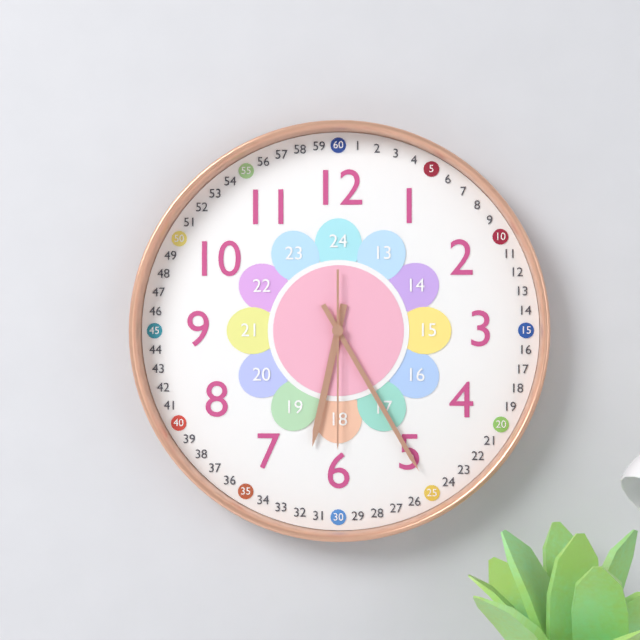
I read **6:25:30**
